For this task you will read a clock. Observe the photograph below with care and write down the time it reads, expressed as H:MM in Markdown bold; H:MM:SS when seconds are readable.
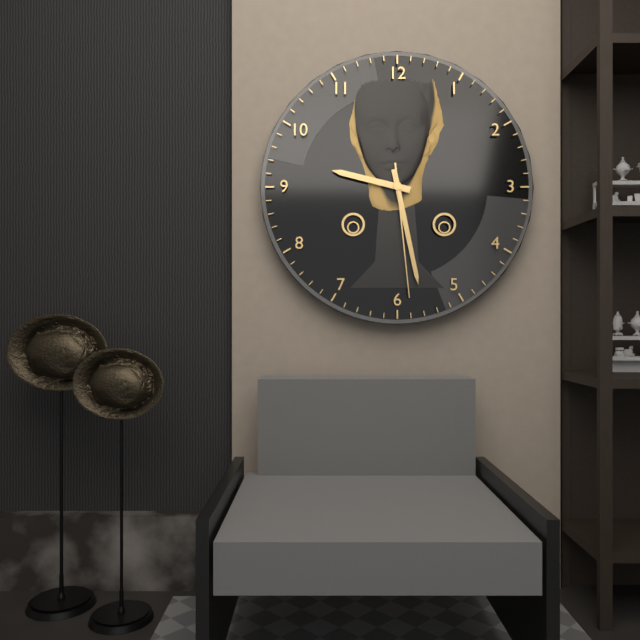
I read **9:28:29**
